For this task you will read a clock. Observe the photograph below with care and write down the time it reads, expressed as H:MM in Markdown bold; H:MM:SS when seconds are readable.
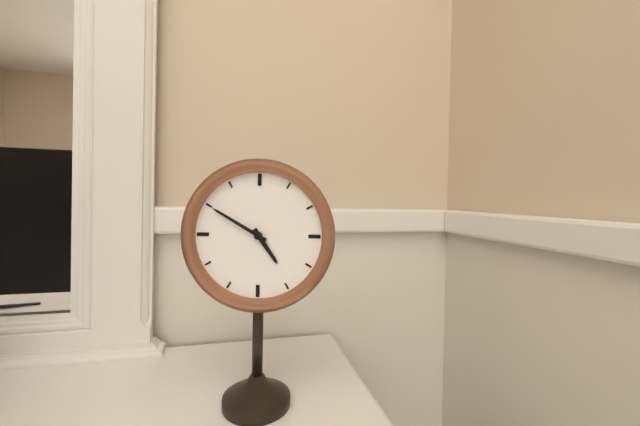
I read **4:50**
